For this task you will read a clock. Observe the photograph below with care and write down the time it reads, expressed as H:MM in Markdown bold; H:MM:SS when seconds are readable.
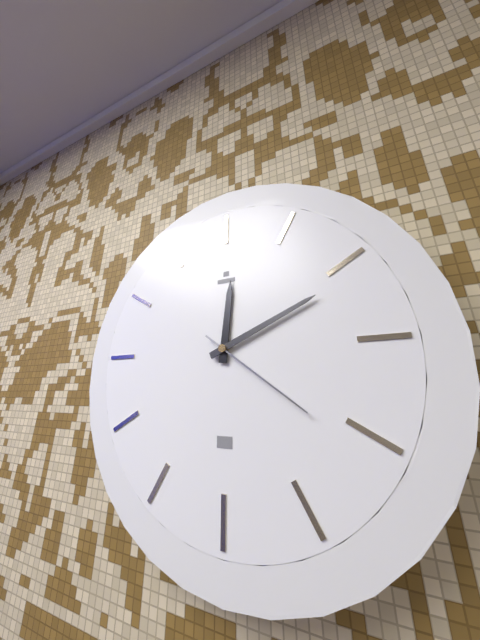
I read **12:11:21**
